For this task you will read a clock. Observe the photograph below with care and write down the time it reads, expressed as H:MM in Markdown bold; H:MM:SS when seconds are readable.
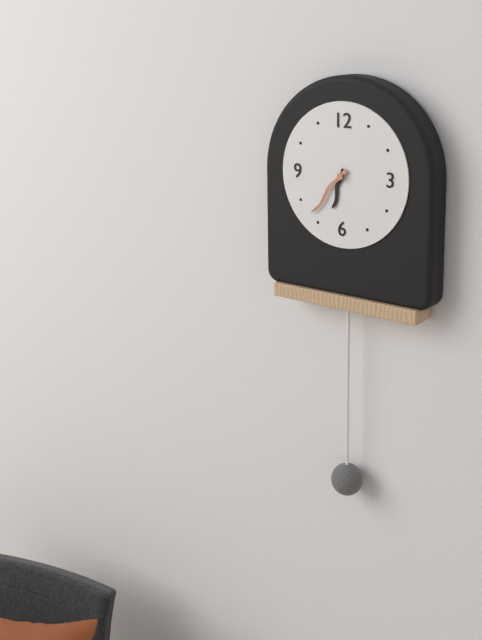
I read **6:37**
